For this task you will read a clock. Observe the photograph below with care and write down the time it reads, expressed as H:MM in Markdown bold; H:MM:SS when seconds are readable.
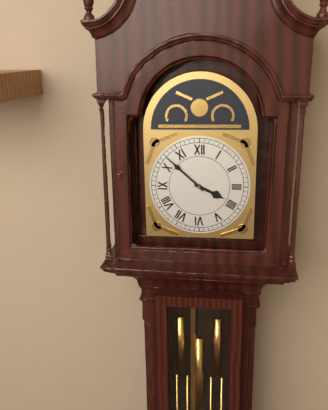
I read **3:52**
